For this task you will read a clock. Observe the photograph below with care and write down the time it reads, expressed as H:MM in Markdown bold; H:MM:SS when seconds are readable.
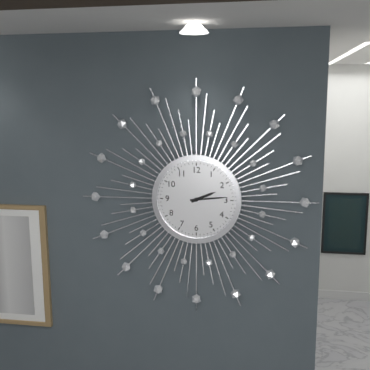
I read **2:14**
